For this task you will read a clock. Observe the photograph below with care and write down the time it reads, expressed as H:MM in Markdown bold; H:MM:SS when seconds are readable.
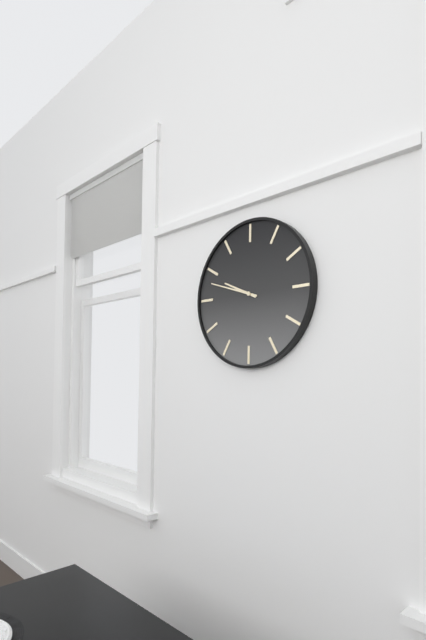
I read **9:48**
